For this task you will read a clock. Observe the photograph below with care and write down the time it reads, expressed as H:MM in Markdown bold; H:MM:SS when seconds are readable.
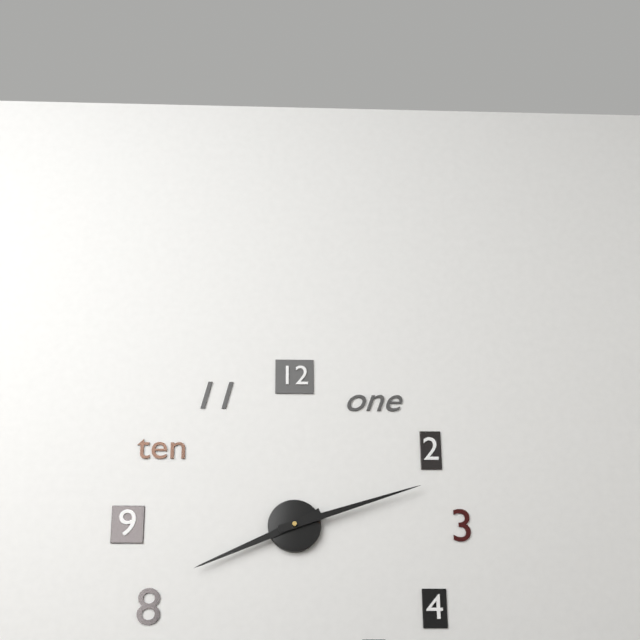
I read **8:12**
